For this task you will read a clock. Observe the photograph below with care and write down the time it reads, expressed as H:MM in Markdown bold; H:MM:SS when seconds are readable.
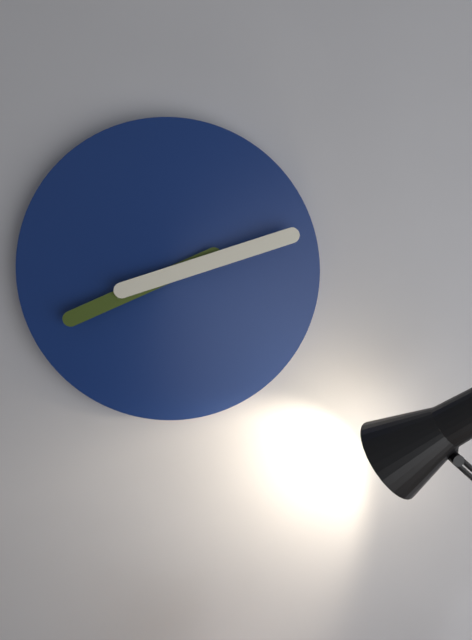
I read **8:12**
